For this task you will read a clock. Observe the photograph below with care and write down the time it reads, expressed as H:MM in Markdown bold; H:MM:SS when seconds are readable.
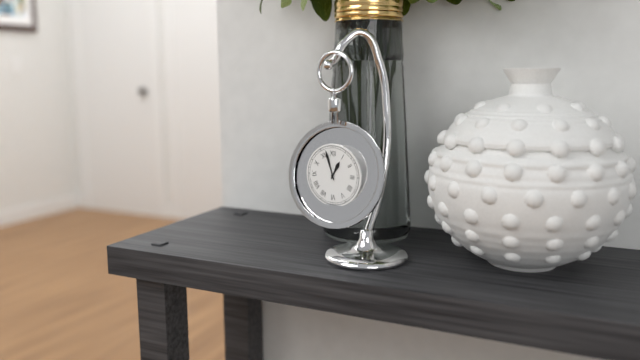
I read **12:57**
